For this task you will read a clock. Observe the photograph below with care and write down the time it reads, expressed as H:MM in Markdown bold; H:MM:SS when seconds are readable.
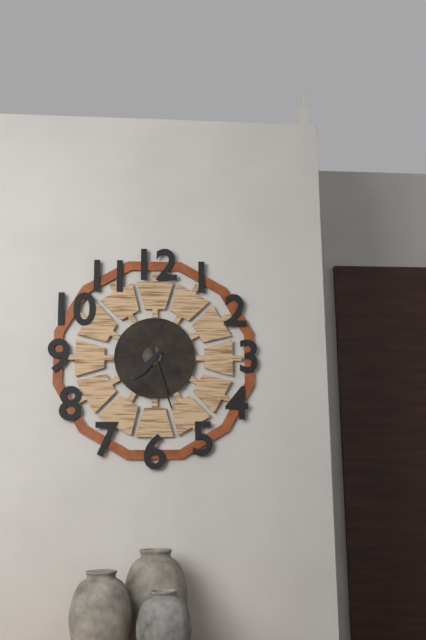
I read **7:27**
